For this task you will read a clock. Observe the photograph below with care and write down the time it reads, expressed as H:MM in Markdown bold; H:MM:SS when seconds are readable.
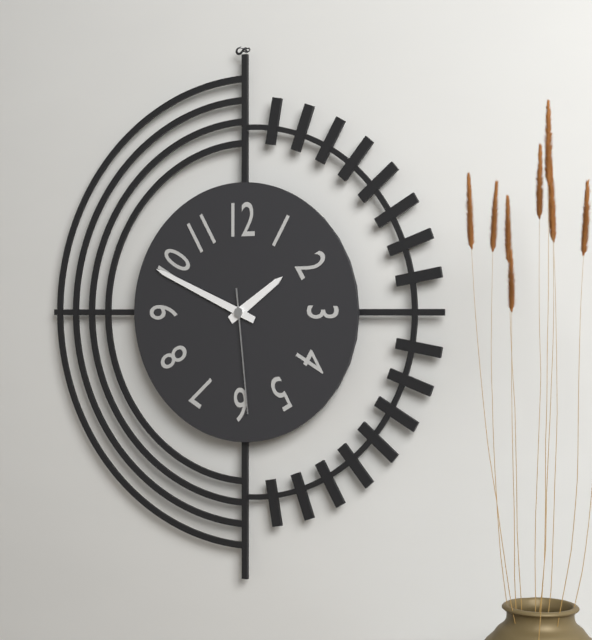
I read **1:49:29**
